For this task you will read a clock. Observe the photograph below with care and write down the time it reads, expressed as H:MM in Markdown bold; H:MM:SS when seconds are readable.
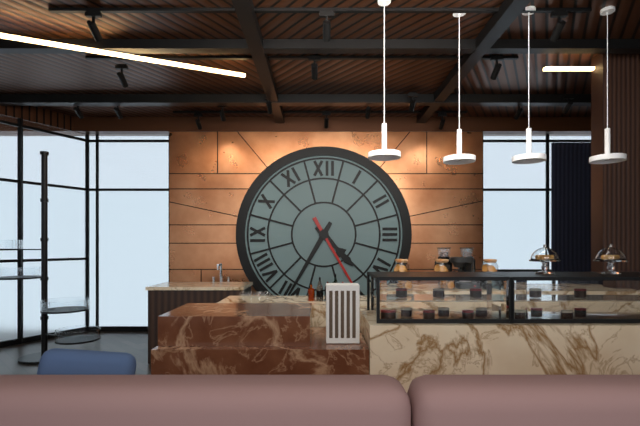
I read **4:35:25**
